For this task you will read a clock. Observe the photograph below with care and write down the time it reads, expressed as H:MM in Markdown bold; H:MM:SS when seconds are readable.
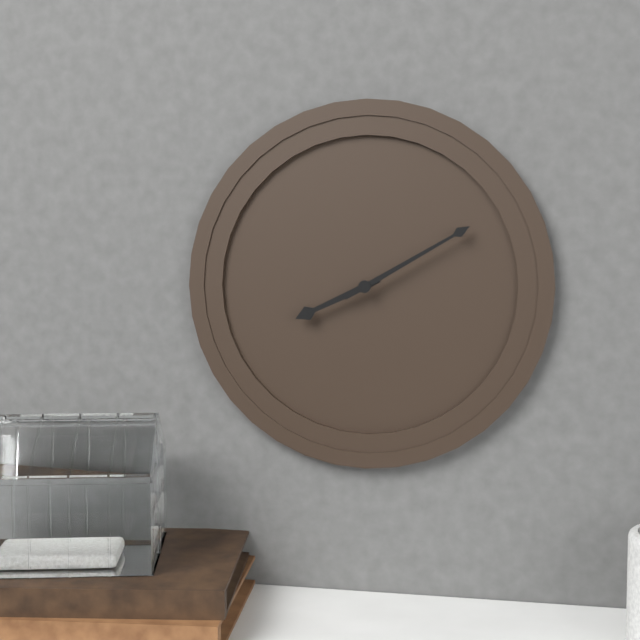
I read **8:10**
